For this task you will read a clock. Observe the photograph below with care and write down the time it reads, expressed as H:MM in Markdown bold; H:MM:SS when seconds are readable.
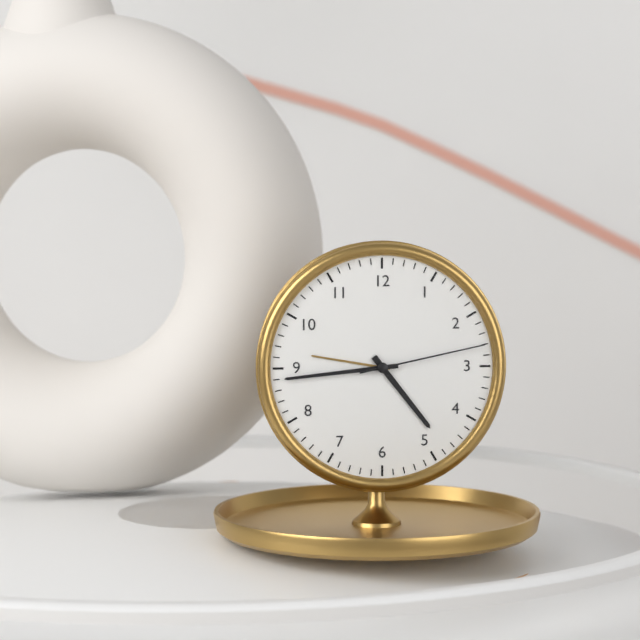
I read **4:44:13**
